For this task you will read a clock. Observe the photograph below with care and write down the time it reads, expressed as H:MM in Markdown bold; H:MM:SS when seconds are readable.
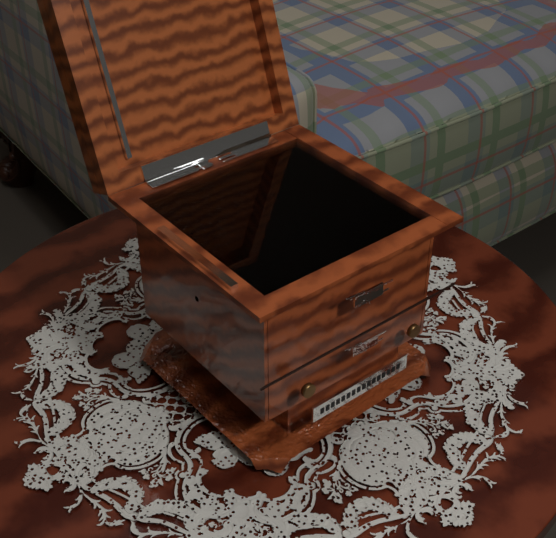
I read **3:30**
